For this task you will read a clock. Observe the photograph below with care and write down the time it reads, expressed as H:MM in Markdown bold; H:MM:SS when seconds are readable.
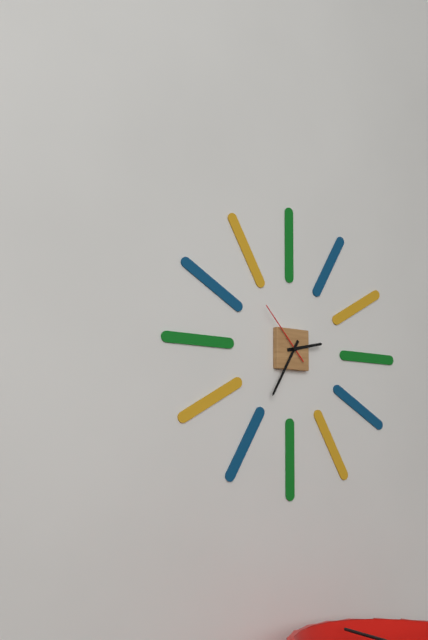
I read **2:35:53**
